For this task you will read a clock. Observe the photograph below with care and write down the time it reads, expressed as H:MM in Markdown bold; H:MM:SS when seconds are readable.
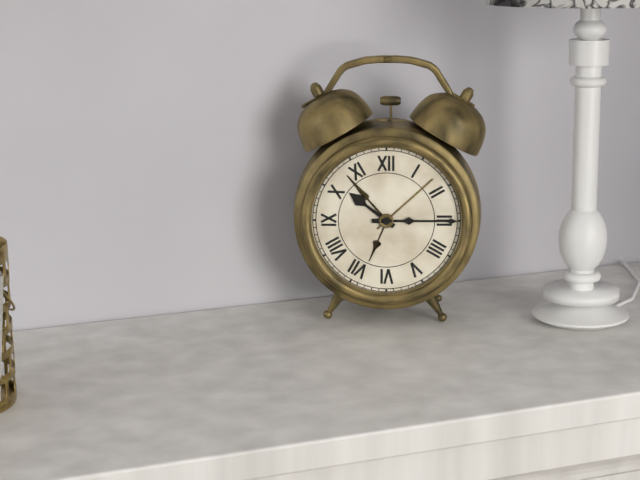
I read **10:15**
